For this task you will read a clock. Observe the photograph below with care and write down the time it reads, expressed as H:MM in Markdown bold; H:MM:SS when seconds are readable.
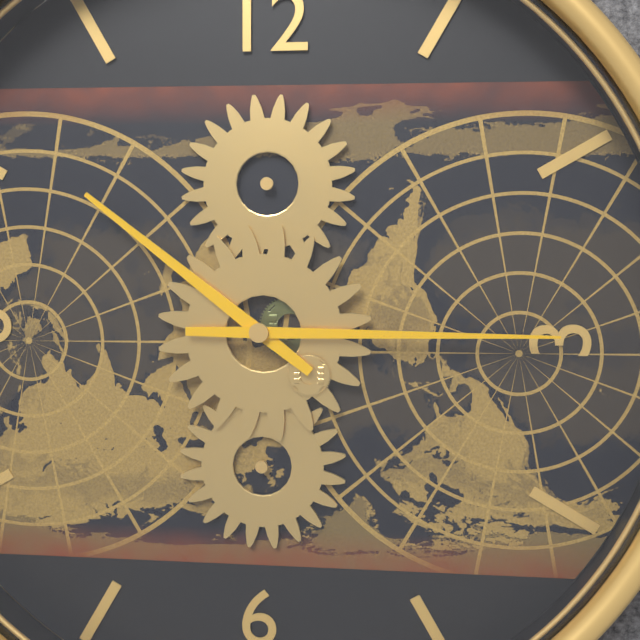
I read **10:15**
